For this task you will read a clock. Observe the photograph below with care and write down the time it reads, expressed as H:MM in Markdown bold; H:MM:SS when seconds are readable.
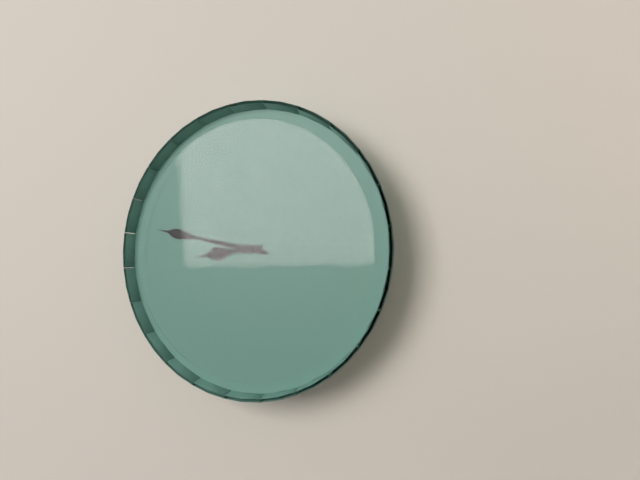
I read **8:47**
